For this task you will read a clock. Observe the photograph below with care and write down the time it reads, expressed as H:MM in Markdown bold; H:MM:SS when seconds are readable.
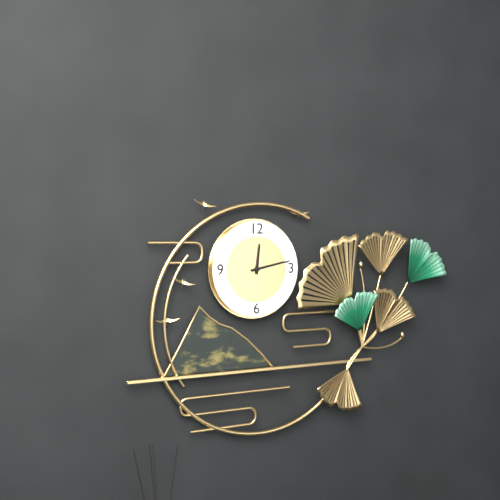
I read **12:13**
